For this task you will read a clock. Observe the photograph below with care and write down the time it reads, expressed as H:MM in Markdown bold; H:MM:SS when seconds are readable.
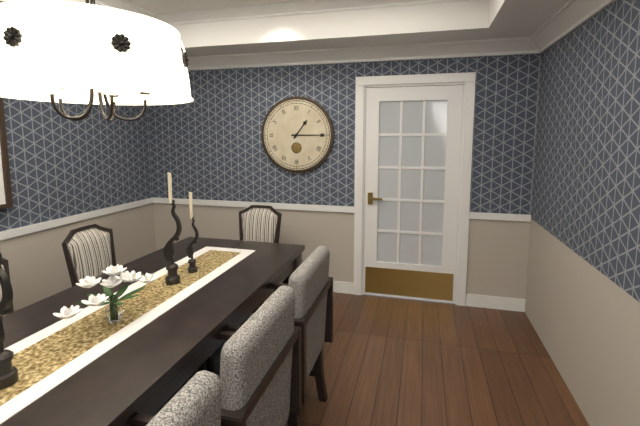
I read **1:15**
